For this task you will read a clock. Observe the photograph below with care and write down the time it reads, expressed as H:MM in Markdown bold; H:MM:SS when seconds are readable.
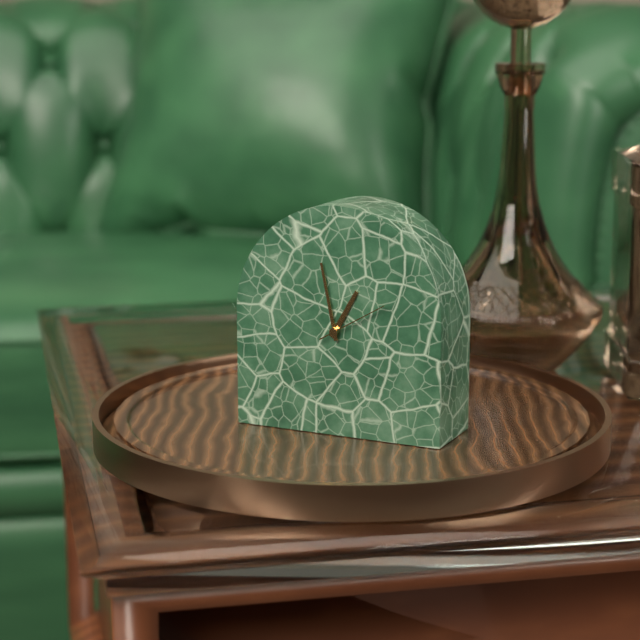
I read **12:58:10**
